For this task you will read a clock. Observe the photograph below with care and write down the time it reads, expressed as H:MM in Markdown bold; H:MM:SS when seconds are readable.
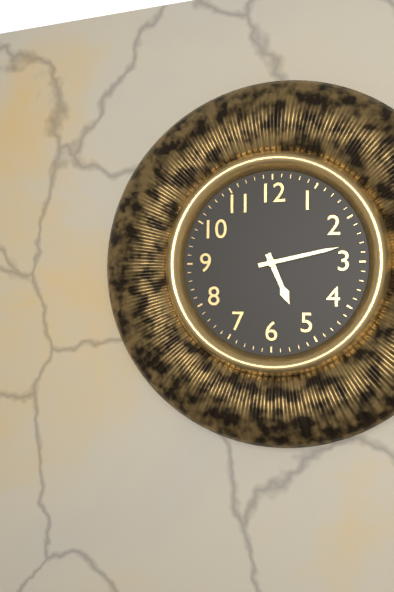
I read **5:13**
